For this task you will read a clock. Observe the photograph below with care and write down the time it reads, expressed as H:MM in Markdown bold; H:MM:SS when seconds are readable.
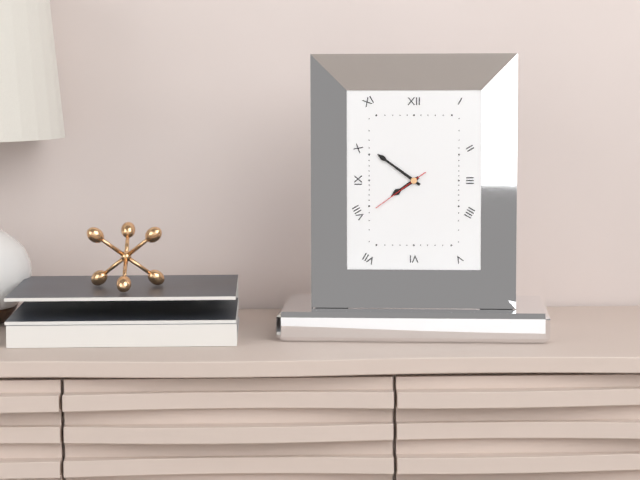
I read **7:51:39**
